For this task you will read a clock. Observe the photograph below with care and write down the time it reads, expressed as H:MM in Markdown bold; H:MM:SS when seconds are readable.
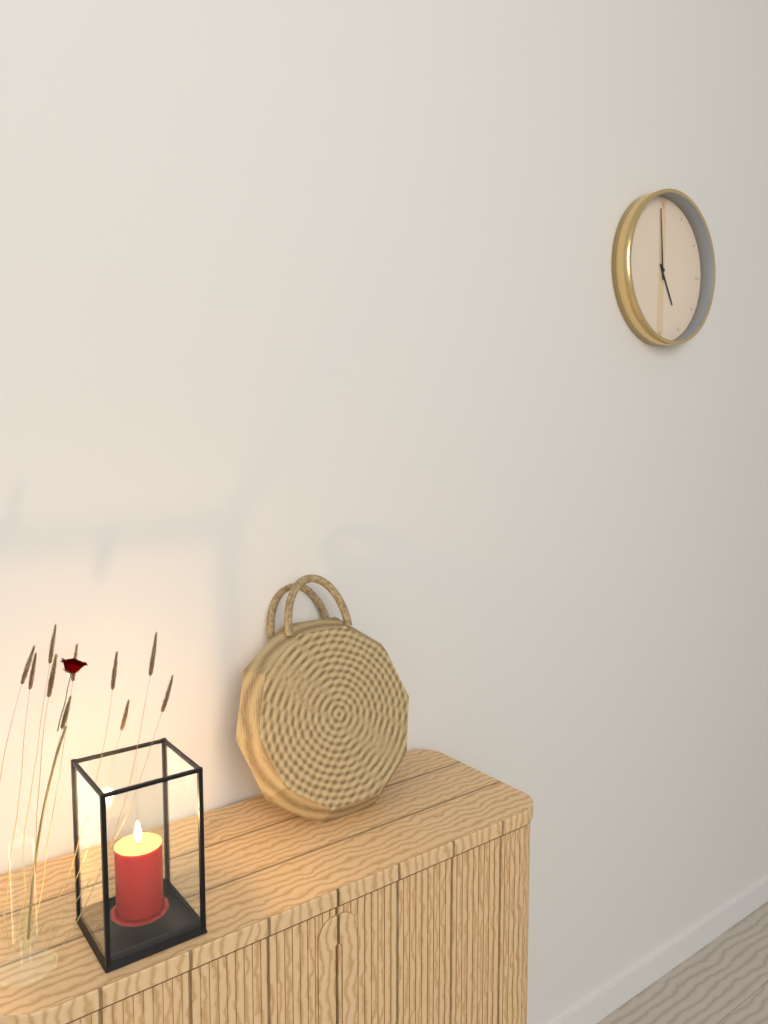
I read **4:59**
